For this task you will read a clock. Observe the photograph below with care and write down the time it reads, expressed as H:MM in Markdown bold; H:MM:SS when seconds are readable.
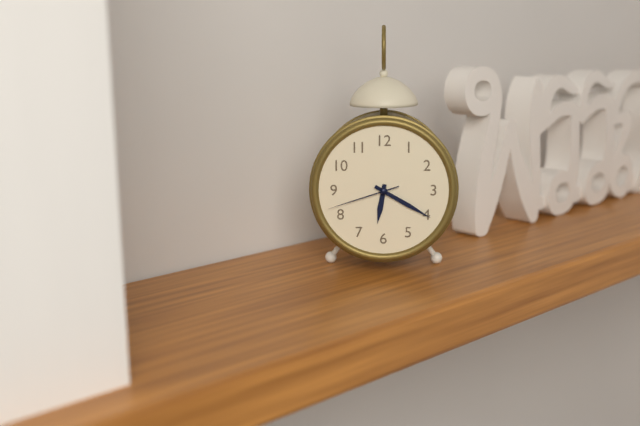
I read **6:20:42**
